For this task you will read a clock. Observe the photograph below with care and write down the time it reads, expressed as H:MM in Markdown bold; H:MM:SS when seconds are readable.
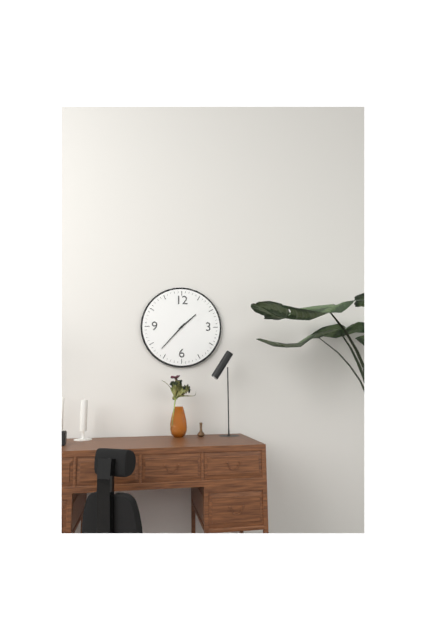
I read **1:37**
